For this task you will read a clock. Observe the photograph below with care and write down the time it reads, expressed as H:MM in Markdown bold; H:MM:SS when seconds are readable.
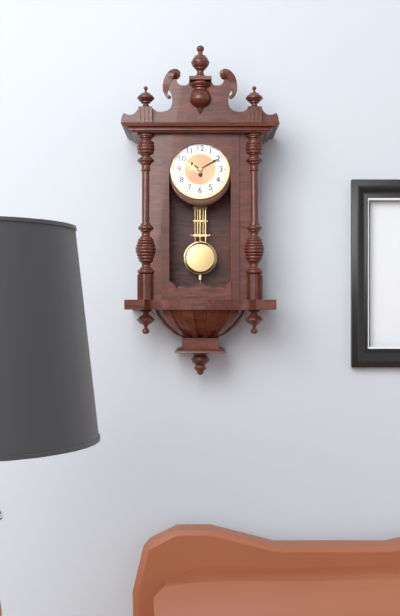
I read **10:10**
